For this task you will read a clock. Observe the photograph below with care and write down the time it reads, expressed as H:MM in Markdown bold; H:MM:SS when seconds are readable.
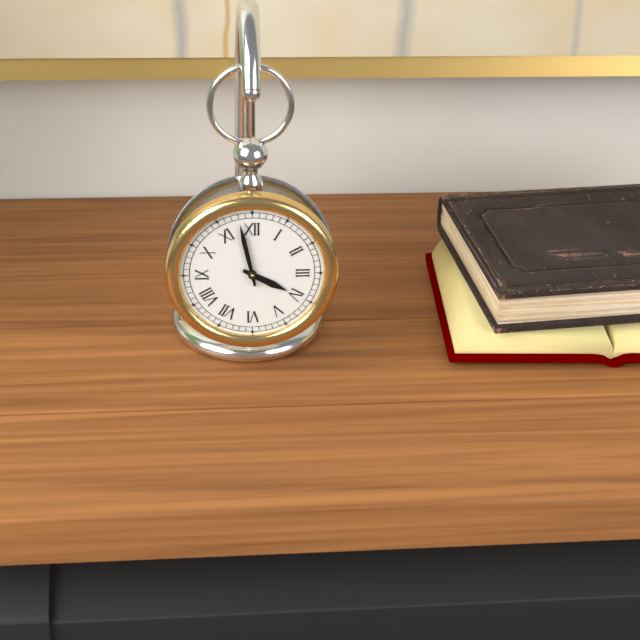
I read **3:58**
